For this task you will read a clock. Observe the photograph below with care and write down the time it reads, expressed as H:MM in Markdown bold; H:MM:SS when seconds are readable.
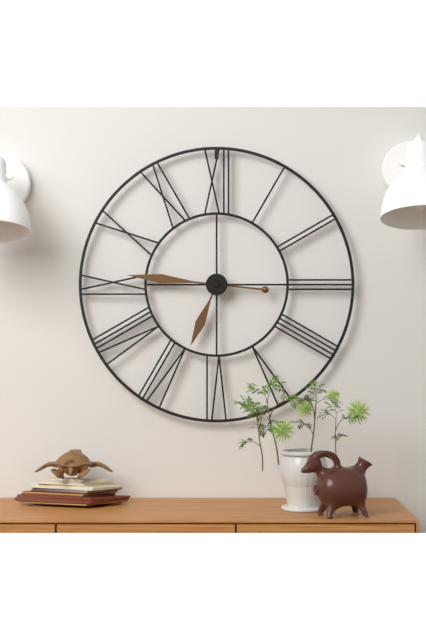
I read **6:46**
